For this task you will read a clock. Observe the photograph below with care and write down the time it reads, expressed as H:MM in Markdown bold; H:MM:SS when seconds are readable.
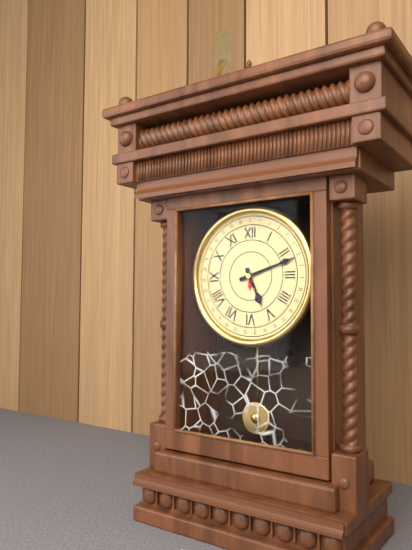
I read **5:12**
